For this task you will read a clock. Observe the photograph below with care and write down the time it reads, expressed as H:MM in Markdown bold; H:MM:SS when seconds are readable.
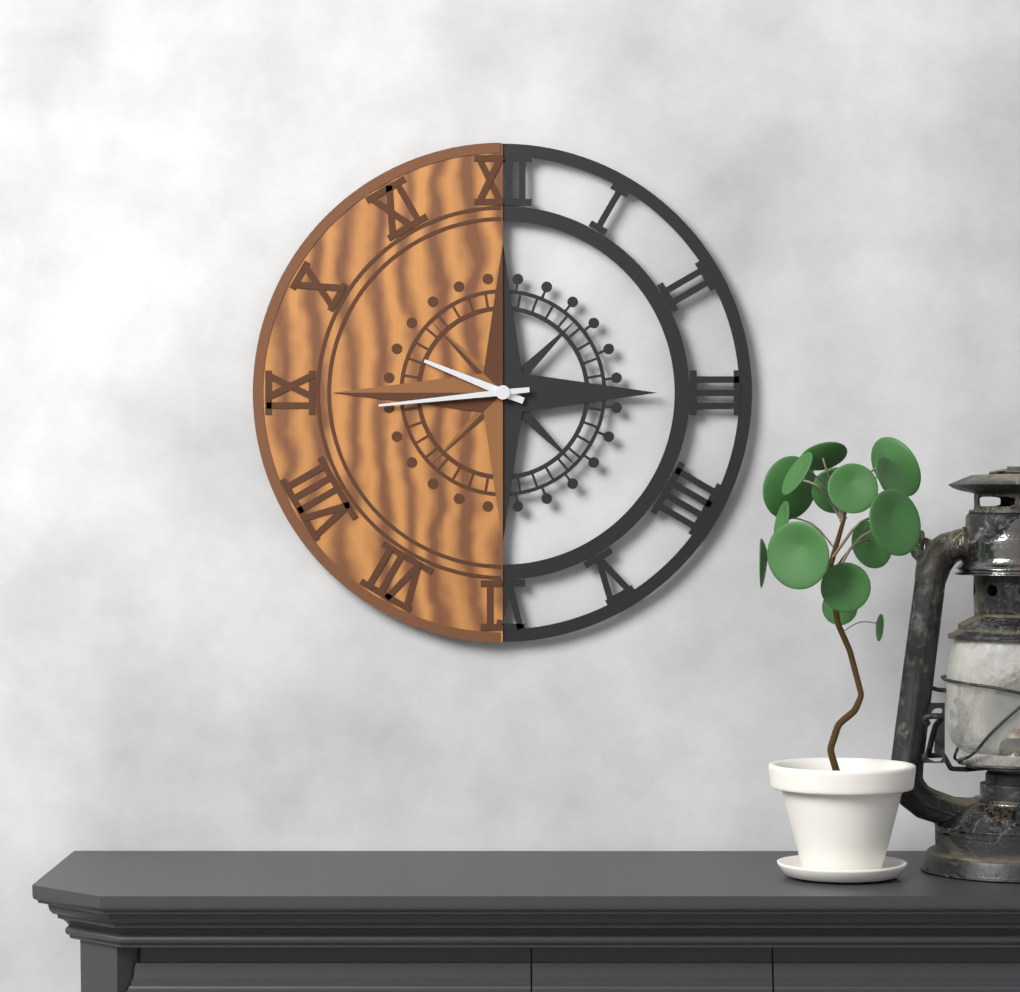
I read **9:44**
